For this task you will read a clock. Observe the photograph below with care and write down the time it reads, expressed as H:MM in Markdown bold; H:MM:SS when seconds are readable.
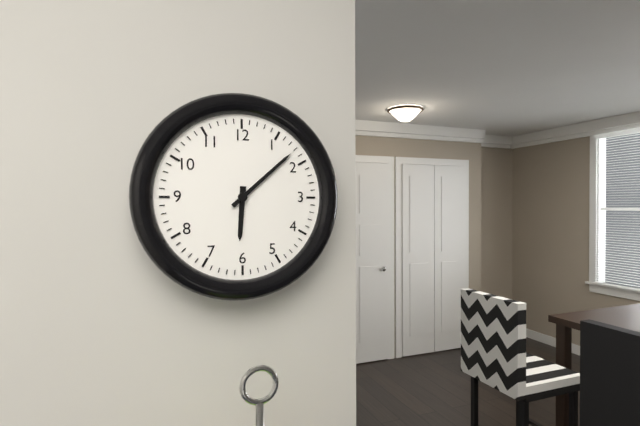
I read **6:08**
